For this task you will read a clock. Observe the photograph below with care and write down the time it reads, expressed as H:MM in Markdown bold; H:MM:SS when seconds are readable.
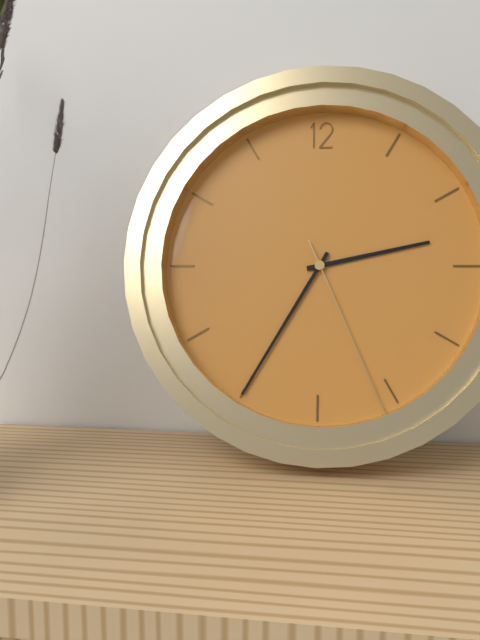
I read **2:35:26**
